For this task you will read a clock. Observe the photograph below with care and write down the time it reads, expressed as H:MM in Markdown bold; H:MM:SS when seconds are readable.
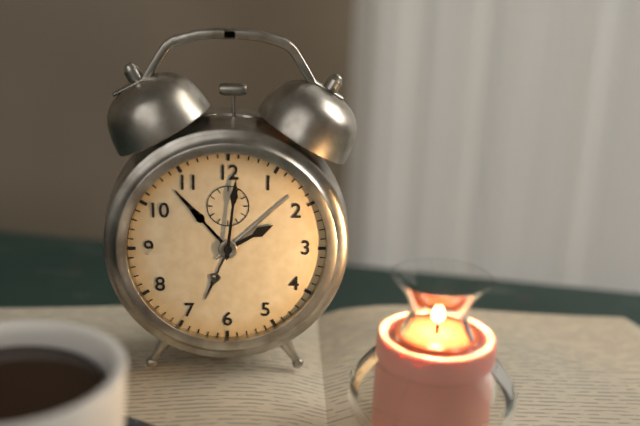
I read **2:01**
